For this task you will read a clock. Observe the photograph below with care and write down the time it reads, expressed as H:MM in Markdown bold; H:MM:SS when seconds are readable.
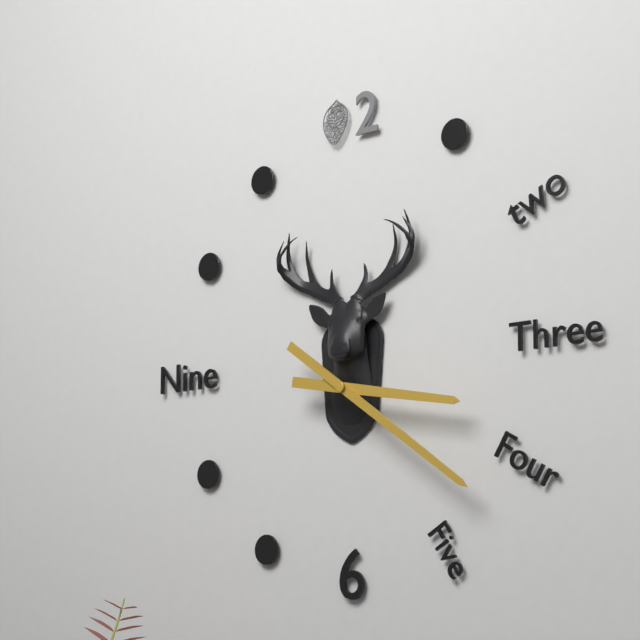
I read **3:21**
